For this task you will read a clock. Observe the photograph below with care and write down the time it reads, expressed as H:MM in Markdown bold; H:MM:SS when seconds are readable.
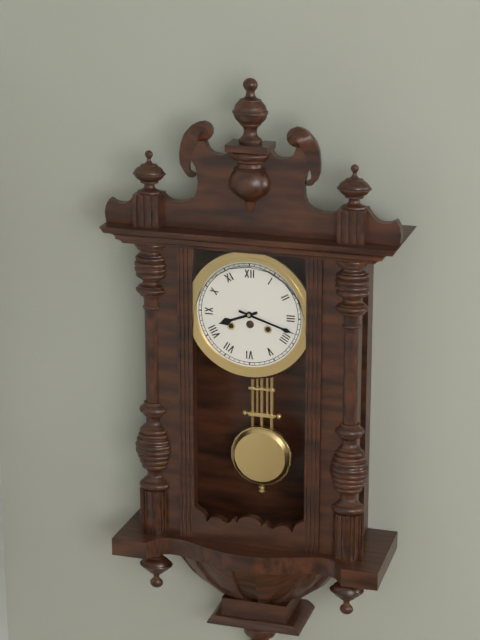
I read **8:18**
